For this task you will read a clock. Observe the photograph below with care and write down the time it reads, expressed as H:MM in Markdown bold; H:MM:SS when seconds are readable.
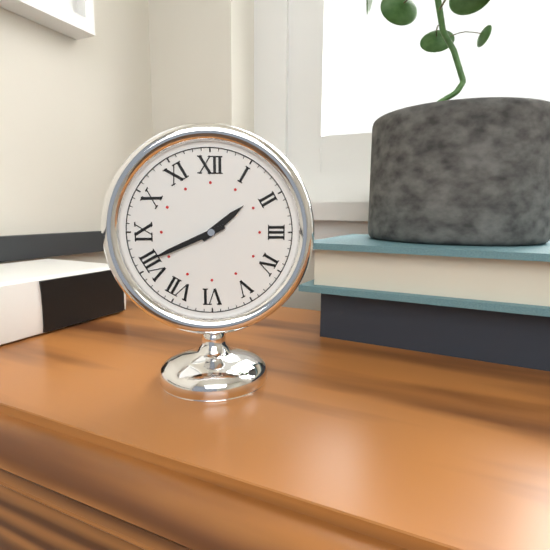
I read **1:41**
